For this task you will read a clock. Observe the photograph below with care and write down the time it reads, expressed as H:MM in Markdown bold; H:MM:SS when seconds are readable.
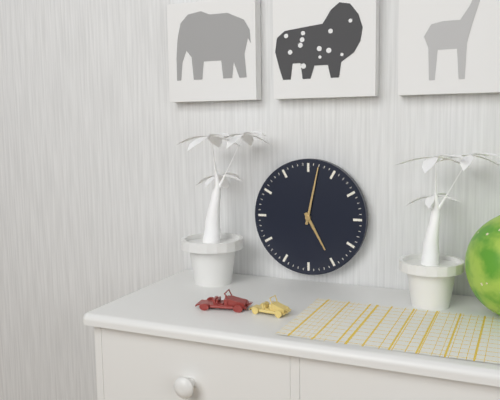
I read **5:02**
